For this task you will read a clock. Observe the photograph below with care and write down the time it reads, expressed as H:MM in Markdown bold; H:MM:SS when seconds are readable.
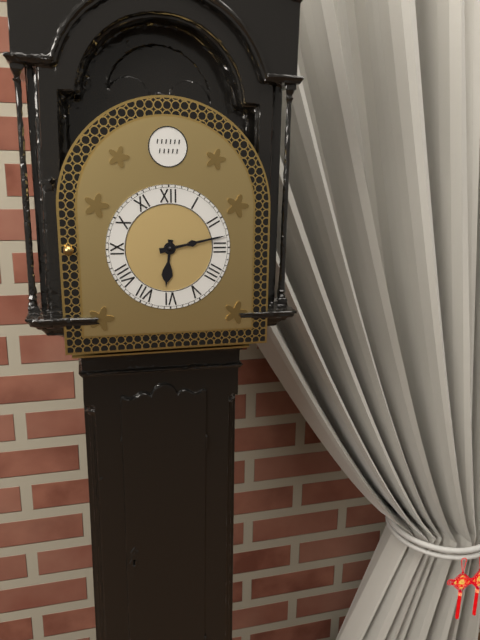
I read **6:13**
